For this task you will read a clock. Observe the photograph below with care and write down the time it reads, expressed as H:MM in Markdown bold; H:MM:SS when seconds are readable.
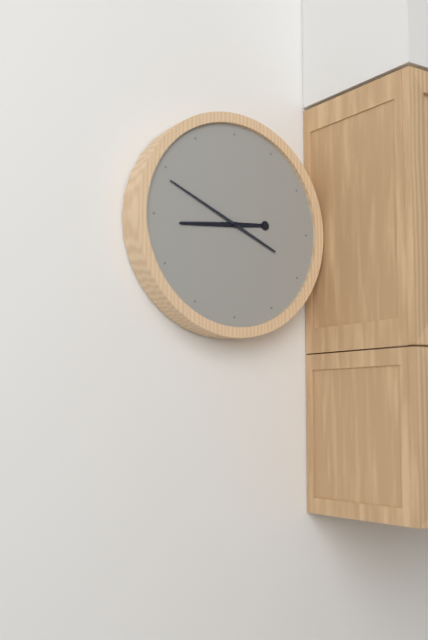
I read **8:49**
